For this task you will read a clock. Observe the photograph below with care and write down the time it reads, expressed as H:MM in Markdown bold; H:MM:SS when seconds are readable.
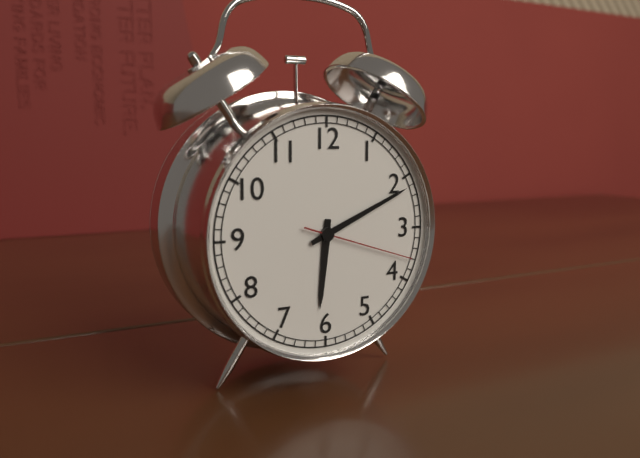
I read **6:11:18**
